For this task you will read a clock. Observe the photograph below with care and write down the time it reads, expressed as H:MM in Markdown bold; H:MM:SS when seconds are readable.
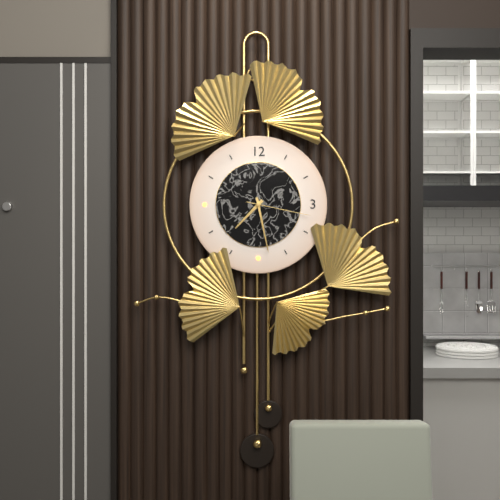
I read **7:28:17**
